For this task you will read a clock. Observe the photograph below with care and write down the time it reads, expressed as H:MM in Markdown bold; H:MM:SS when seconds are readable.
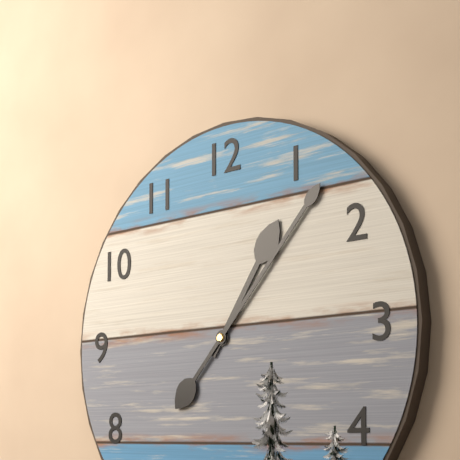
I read **1:07**
